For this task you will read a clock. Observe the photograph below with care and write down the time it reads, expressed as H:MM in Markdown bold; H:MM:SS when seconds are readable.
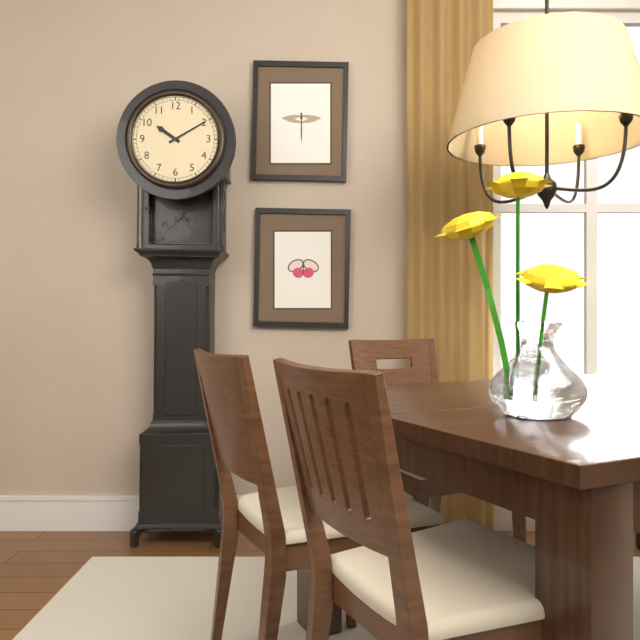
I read **10:10**
